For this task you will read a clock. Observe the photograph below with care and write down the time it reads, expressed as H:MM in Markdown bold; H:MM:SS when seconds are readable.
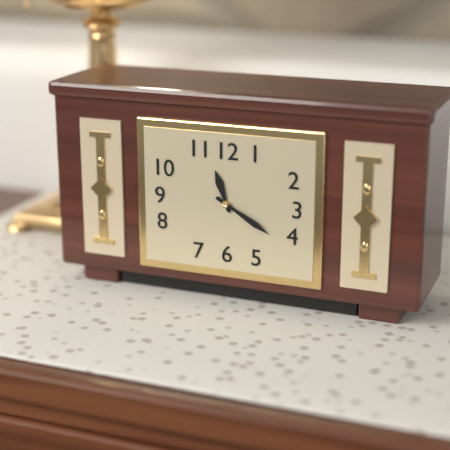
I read **11:20**
